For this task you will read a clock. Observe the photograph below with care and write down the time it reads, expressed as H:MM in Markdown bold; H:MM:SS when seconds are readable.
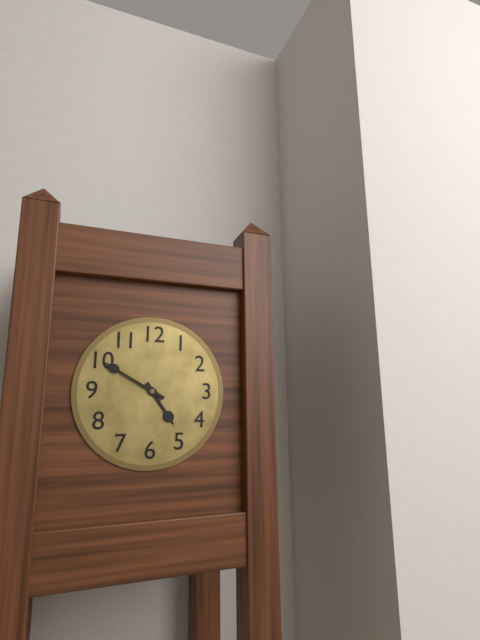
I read **4:50**
